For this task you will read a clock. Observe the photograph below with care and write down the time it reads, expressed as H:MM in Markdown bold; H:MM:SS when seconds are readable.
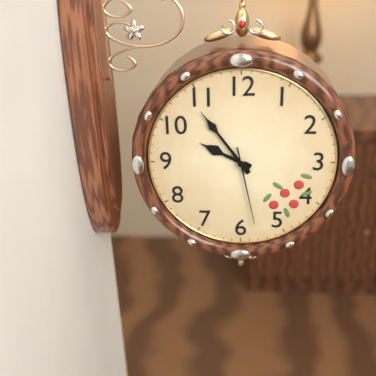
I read **9:54:28**
